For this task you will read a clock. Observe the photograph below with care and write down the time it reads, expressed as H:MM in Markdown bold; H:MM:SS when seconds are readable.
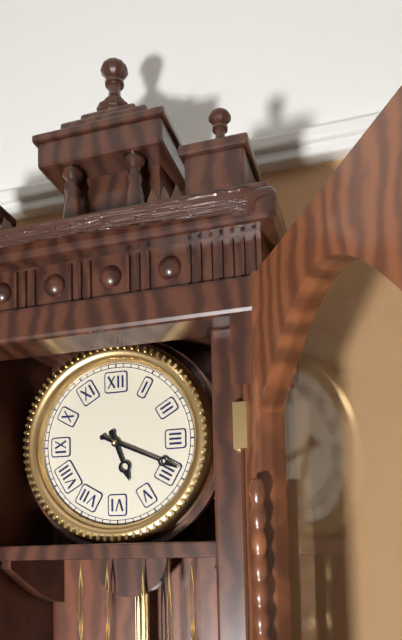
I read **5:19**
